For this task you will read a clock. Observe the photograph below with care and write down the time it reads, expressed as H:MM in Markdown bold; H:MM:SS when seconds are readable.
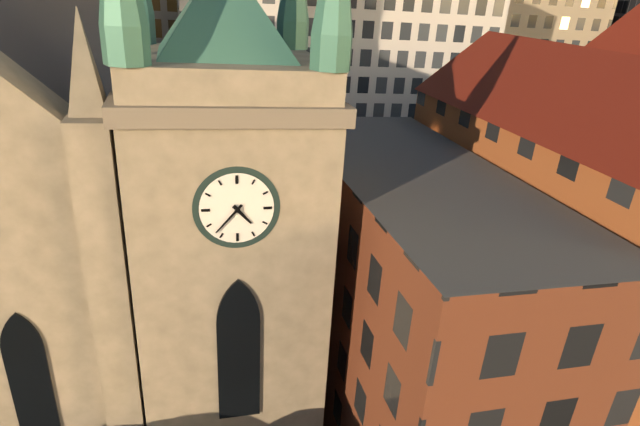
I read **4:37**
